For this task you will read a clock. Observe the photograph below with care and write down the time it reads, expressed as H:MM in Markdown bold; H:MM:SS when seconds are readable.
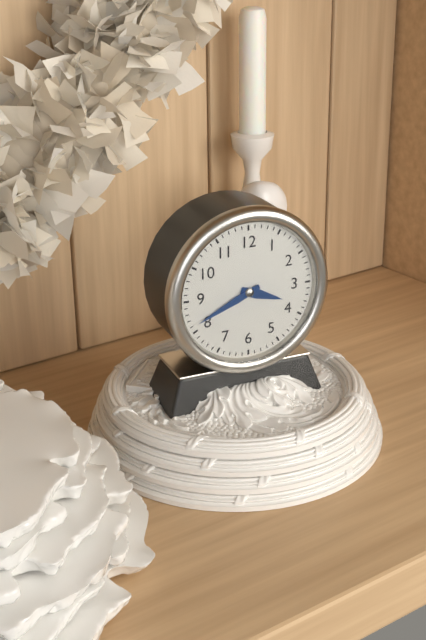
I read **3:41**
